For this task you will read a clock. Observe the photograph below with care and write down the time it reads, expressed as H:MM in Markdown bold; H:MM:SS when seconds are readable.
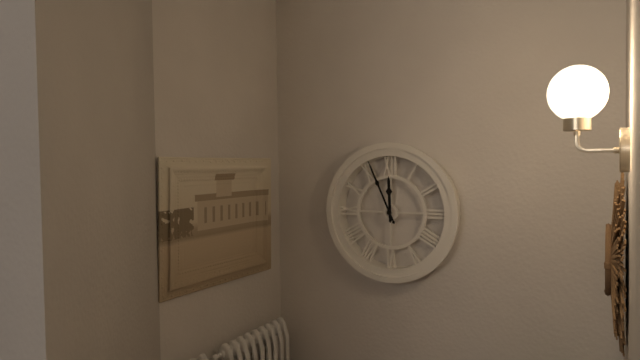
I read **11:56**
